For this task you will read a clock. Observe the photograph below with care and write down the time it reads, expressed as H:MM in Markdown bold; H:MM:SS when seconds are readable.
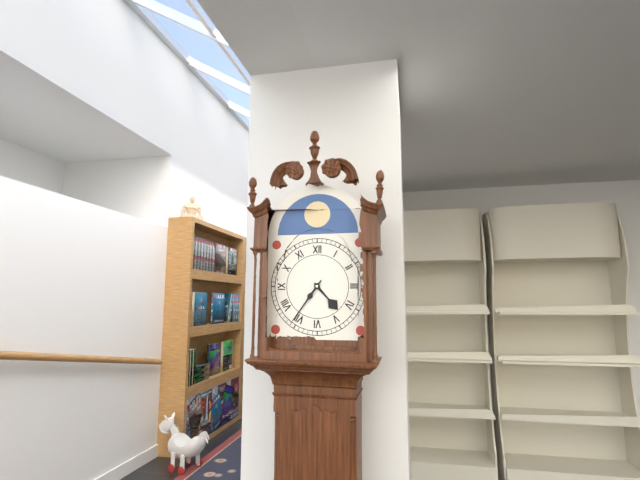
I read **4:36**
